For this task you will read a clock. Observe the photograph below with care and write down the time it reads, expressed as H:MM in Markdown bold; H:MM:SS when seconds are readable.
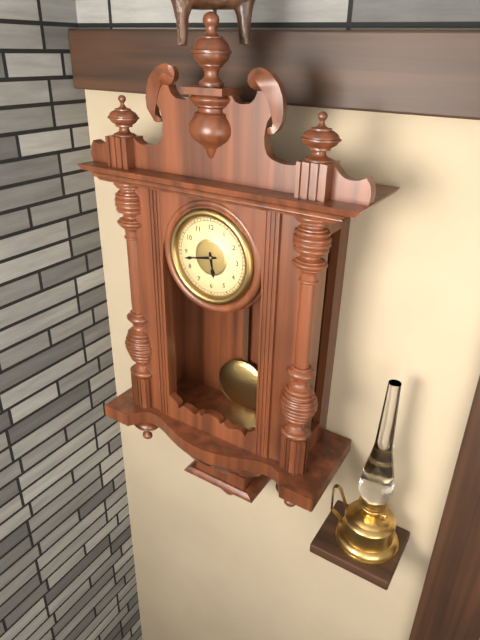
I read **5:43**
